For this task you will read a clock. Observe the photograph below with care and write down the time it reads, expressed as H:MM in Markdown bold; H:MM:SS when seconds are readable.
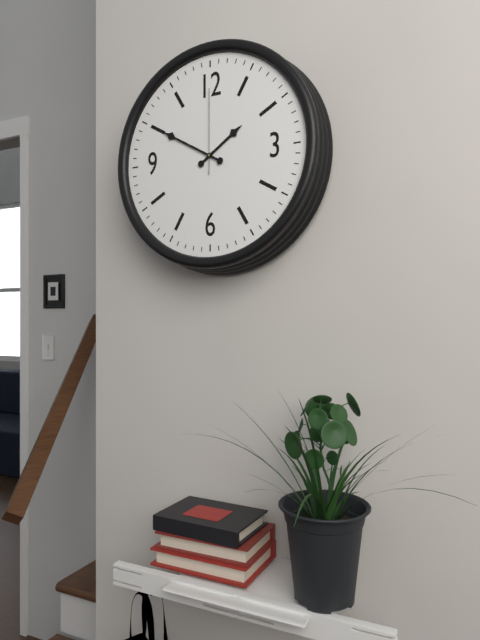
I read **1:50:00**
